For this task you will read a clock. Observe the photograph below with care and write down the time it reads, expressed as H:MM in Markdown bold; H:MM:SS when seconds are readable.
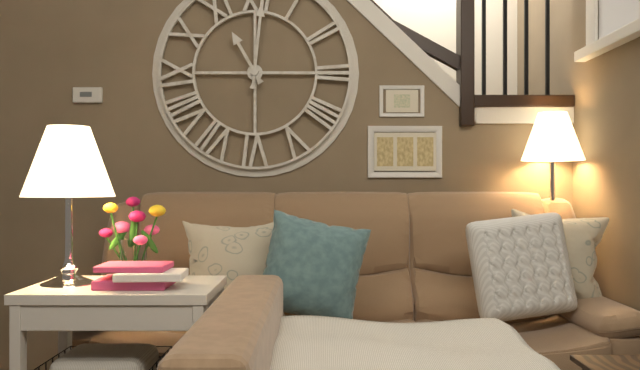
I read **11:01**
